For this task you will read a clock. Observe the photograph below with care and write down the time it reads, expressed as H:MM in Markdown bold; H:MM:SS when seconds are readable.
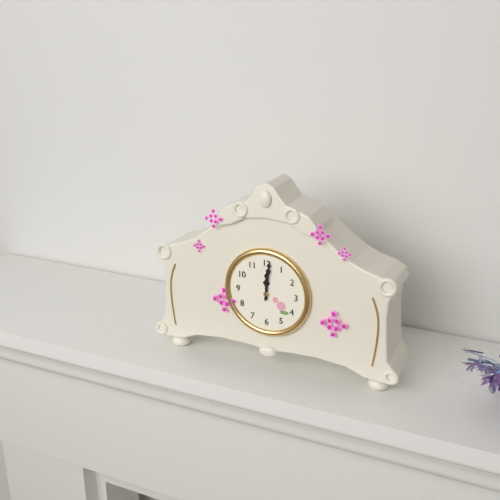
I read **12:01**
